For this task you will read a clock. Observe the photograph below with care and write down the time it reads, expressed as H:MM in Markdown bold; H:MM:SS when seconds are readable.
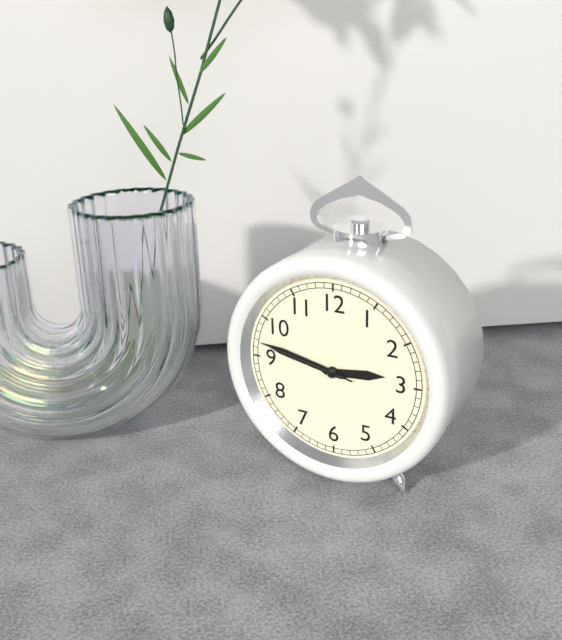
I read **2:47:47**
